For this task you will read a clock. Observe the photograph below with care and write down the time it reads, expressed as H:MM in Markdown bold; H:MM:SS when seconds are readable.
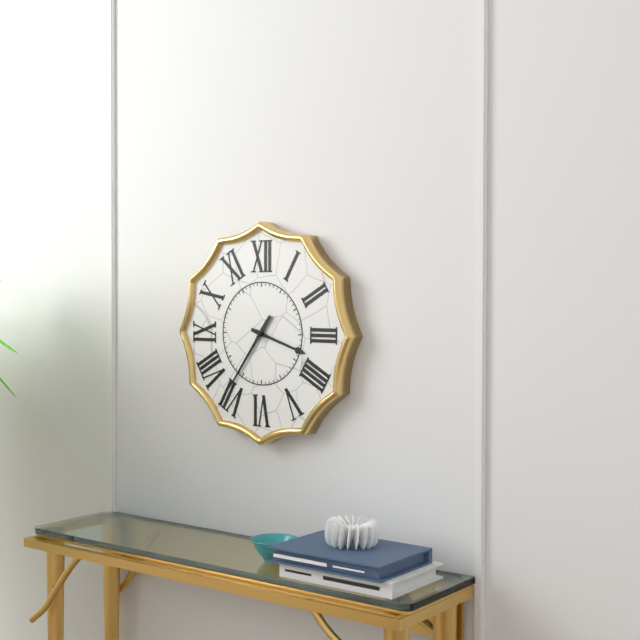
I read **3:36**
